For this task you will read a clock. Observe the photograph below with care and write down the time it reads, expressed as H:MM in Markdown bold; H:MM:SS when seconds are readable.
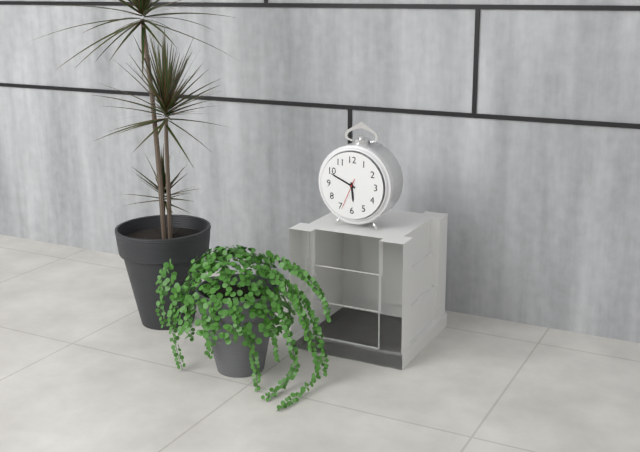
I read **5:49**
